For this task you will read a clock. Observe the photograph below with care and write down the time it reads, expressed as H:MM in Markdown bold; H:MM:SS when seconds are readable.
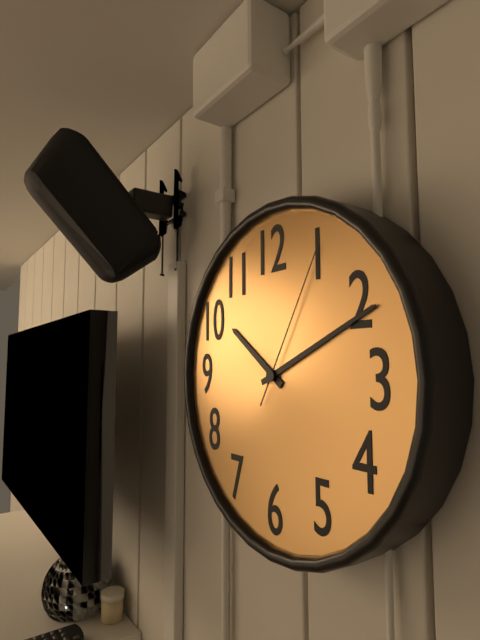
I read **10:11:05**
